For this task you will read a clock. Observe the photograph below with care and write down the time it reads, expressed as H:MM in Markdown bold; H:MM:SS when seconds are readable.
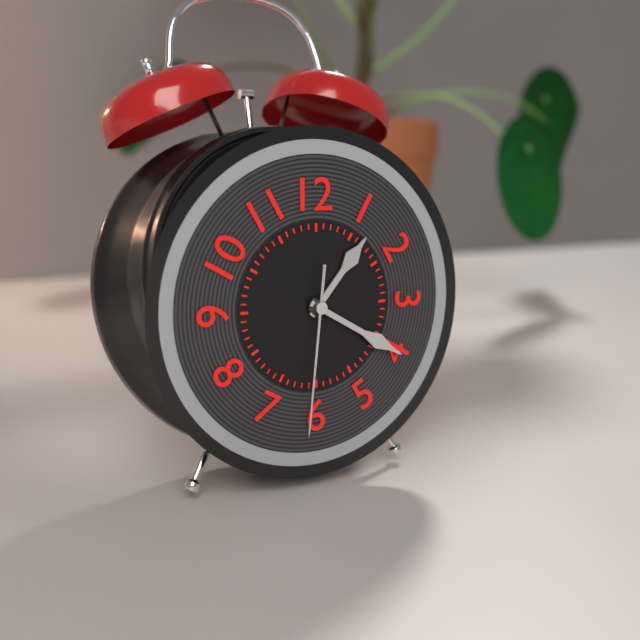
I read **1:20:31**
